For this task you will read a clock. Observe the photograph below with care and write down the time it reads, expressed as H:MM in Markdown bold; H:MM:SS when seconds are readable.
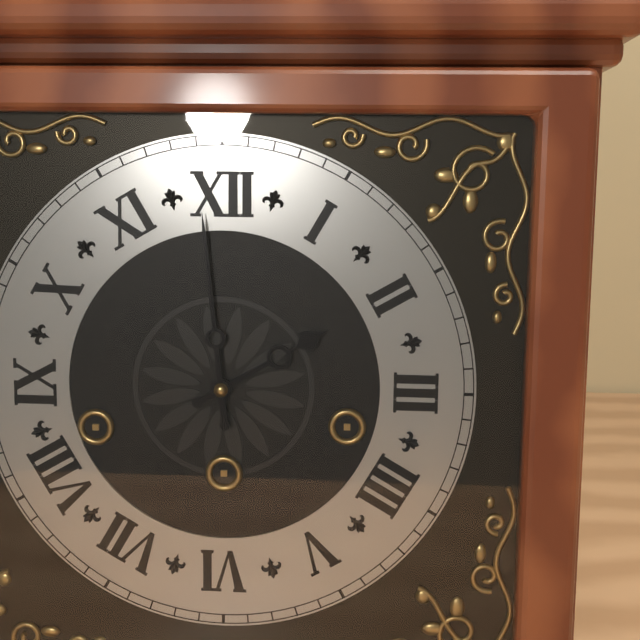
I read **1:59**
